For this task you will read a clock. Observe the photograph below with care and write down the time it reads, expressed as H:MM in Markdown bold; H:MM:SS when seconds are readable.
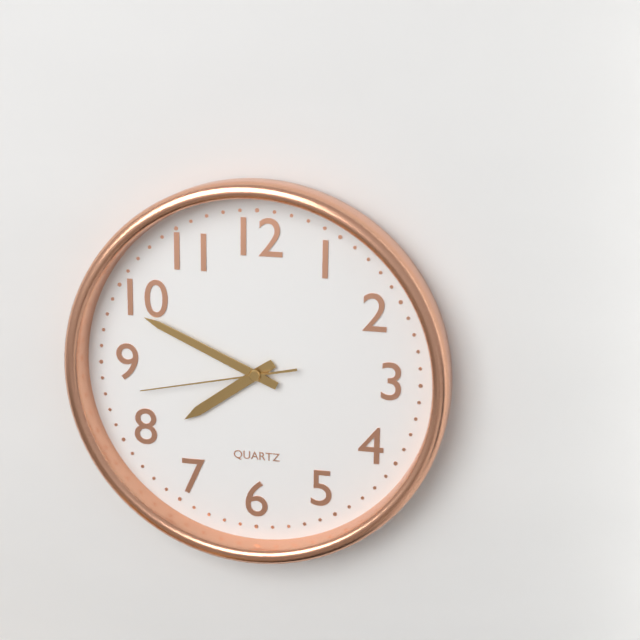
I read **7:49:43**
